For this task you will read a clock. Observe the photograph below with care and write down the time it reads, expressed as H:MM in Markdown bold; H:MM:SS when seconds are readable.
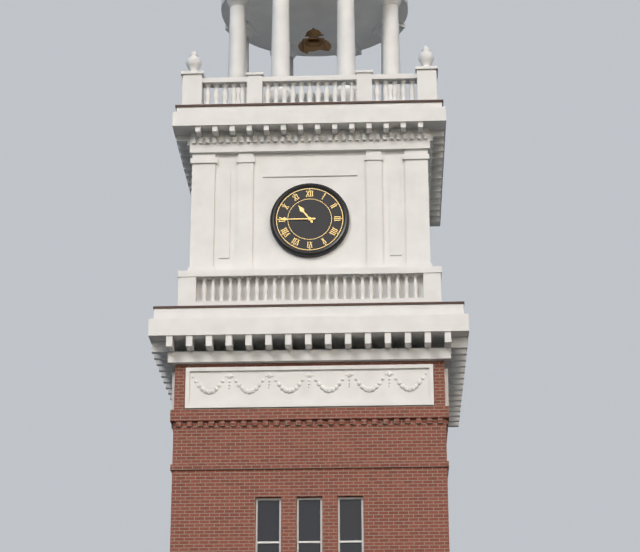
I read **10:45**
